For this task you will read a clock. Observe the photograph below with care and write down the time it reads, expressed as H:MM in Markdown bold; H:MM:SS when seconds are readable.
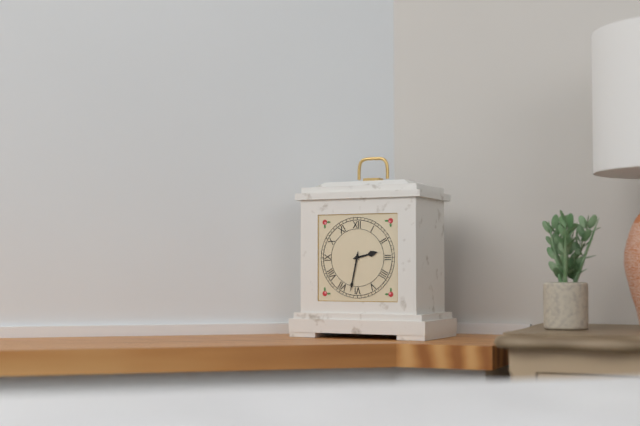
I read **2:32**
